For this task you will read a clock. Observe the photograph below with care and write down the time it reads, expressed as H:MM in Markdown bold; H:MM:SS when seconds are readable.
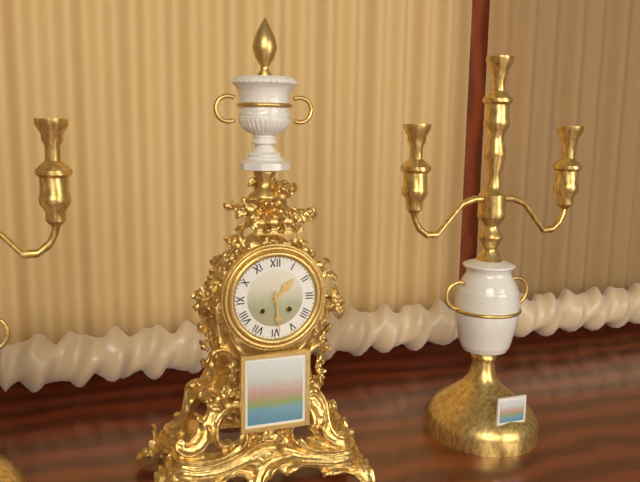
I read **1:29**
